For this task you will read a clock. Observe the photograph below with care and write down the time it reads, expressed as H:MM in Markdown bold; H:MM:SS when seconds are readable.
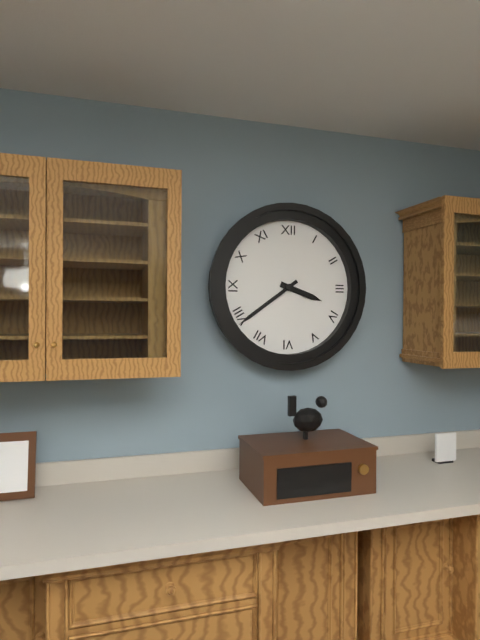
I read **3:39**
